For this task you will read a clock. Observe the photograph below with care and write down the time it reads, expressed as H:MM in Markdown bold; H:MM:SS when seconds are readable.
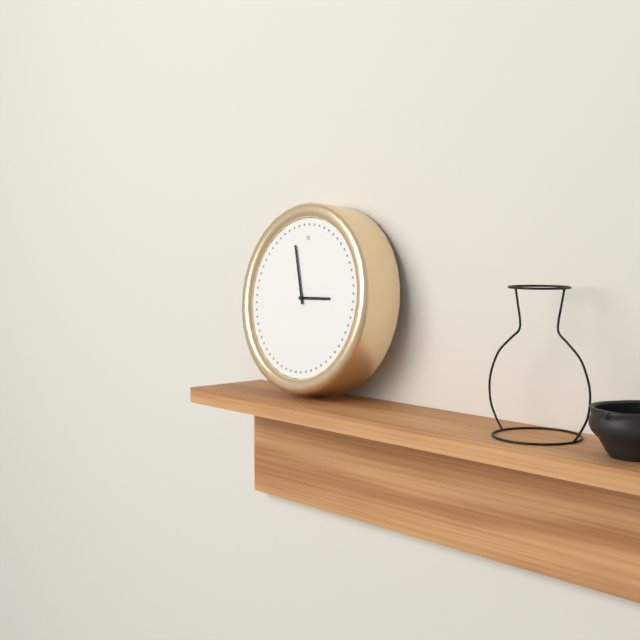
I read **2:57**
